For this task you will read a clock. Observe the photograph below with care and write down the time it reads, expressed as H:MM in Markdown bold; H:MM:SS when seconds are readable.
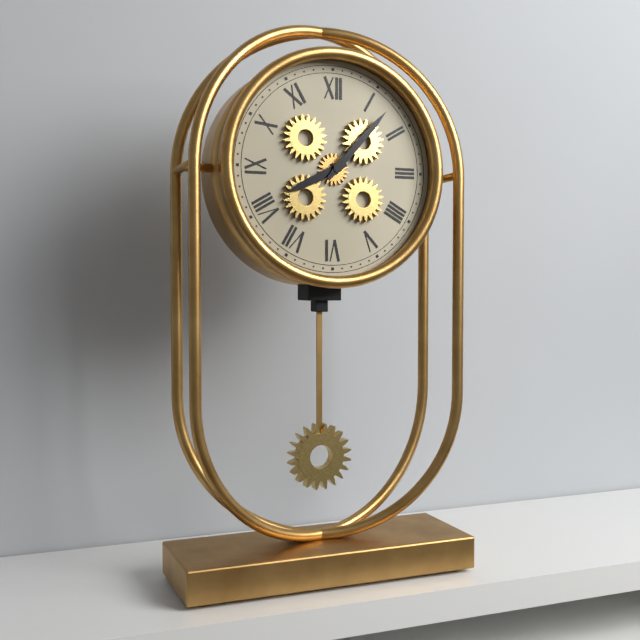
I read **8:07**
